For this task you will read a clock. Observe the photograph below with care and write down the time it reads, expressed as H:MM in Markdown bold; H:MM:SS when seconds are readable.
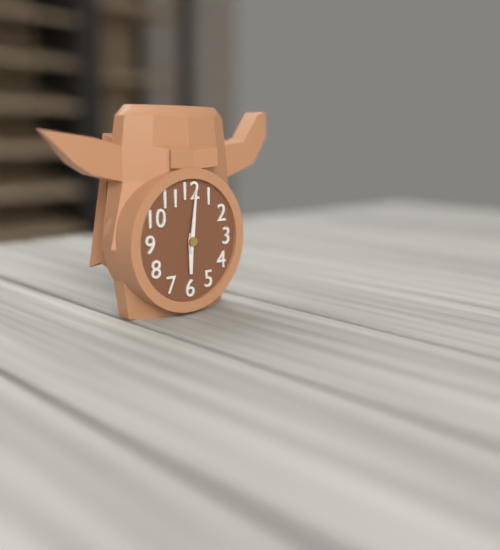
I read **6:01**
